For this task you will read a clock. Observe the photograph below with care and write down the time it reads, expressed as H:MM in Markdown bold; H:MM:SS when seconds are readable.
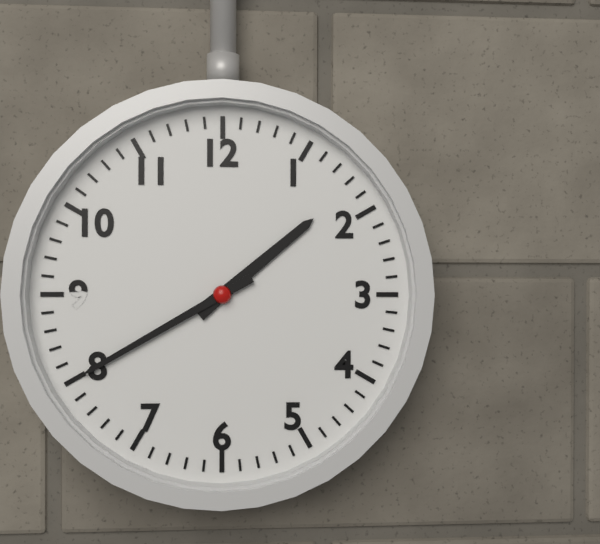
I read **1:40**
